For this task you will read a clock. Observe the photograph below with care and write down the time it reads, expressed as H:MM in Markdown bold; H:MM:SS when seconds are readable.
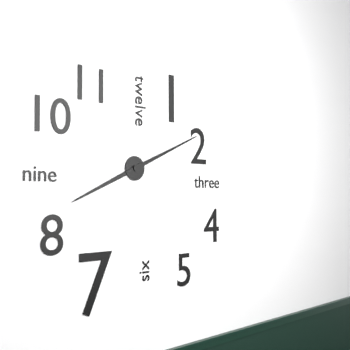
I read **8:11**
